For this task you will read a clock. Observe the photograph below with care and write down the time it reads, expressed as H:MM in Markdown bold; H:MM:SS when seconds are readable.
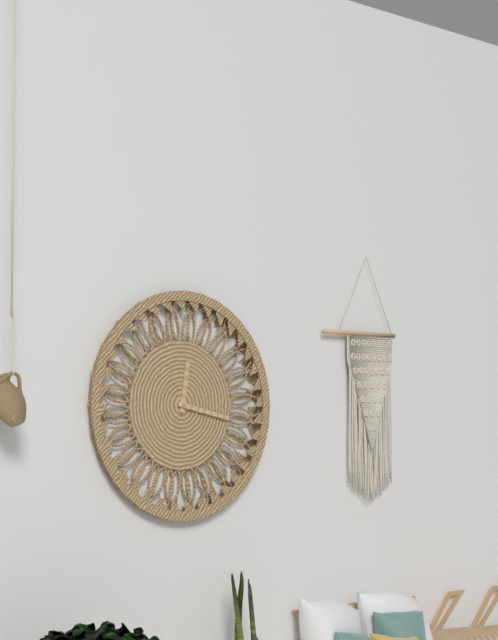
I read **12:17**
